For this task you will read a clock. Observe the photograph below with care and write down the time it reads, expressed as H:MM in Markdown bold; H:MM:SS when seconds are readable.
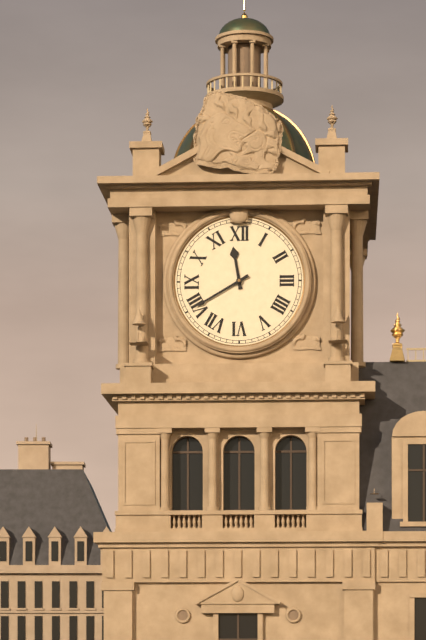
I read **11:40**
